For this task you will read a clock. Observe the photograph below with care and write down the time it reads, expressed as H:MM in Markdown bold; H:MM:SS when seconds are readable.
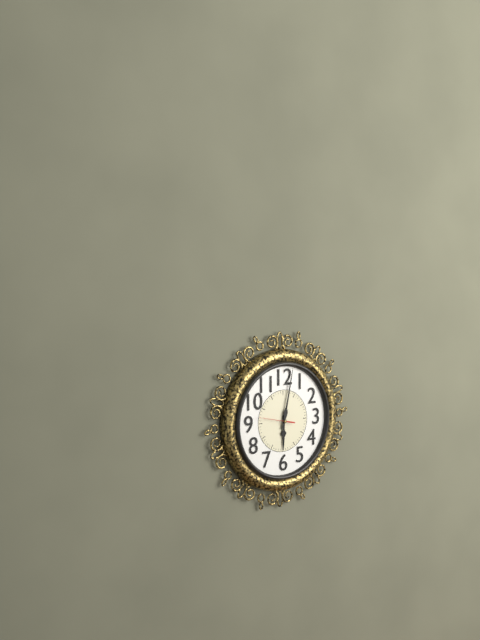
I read **6:02**
